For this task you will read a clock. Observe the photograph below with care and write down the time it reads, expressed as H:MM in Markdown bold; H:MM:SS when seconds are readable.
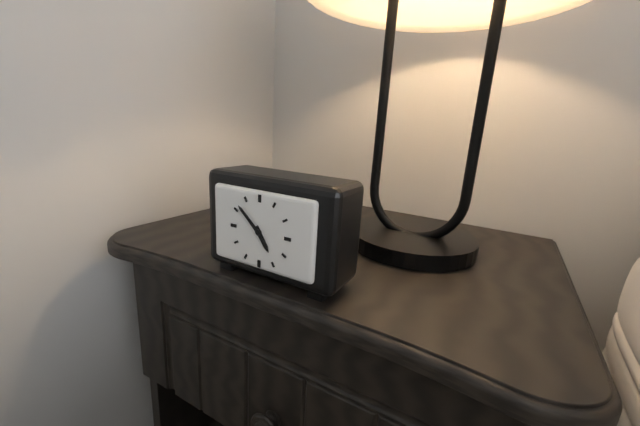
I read **4:52**
